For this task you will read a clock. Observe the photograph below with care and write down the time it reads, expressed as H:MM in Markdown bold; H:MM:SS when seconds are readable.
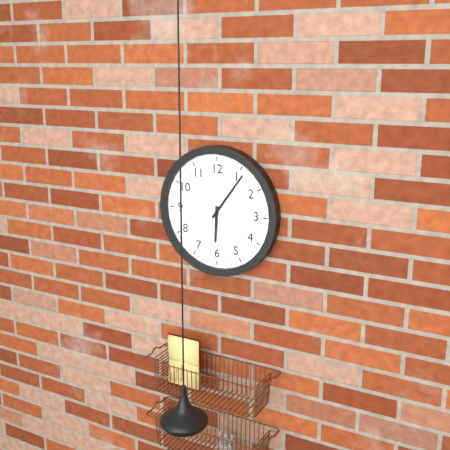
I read **6:06**
